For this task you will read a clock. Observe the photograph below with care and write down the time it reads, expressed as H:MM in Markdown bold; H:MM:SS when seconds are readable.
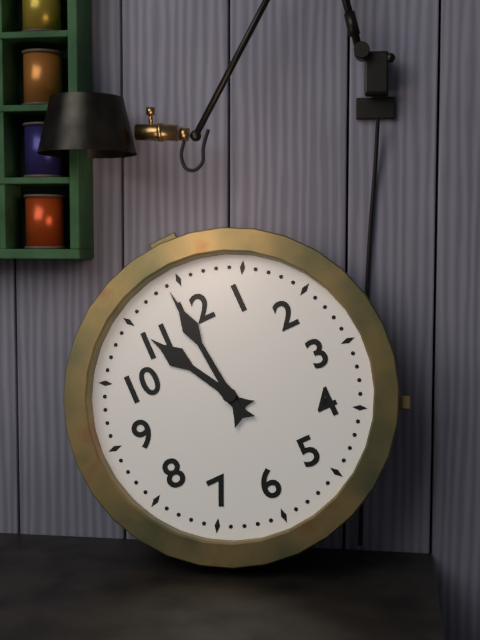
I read **10:59**
